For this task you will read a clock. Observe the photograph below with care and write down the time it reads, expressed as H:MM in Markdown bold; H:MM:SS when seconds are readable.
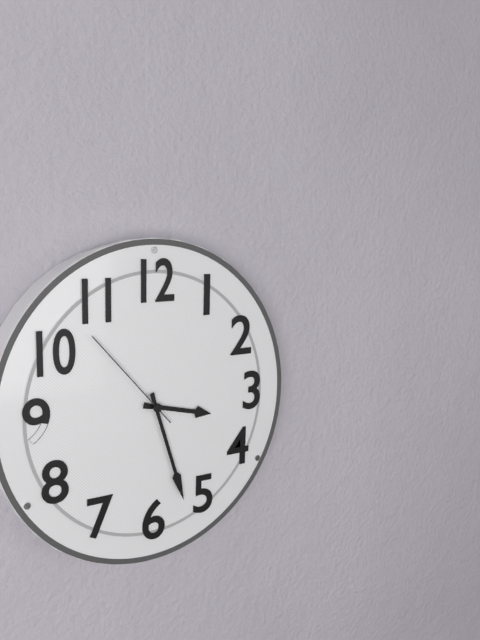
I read **3:27:53**
